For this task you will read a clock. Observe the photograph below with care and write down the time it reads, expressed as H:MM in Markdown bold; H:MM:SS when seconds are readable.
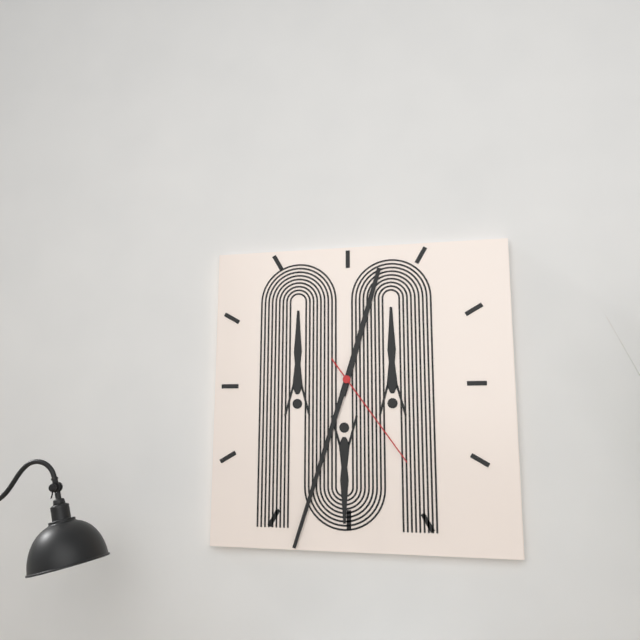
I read **12:33:24**
